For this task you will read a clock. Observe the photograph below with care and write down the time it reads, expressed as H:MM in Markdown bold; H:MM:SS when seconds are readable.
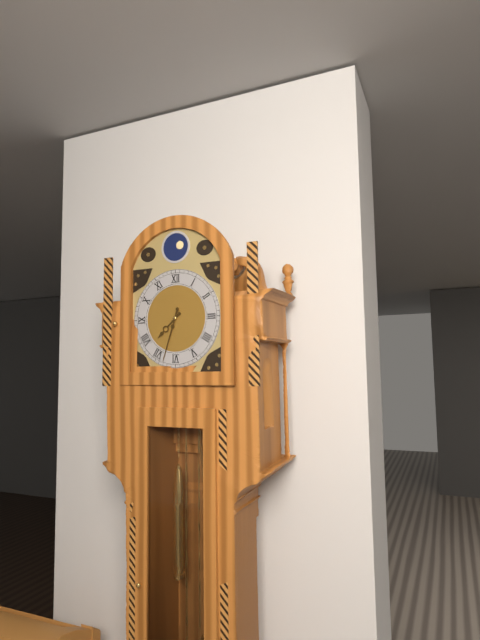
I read **7:33**
